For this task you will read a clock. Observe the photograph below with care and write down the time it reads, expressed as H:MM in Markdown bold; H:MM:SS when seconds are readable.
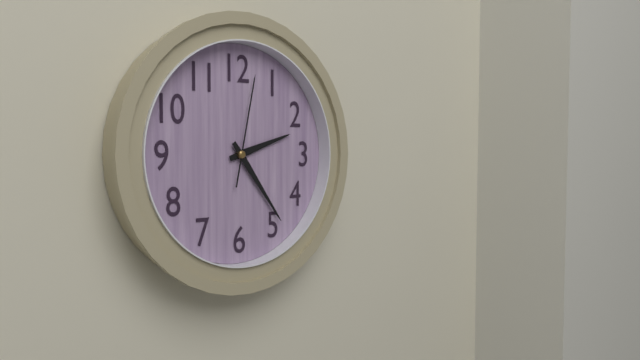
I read **2:24:02**
